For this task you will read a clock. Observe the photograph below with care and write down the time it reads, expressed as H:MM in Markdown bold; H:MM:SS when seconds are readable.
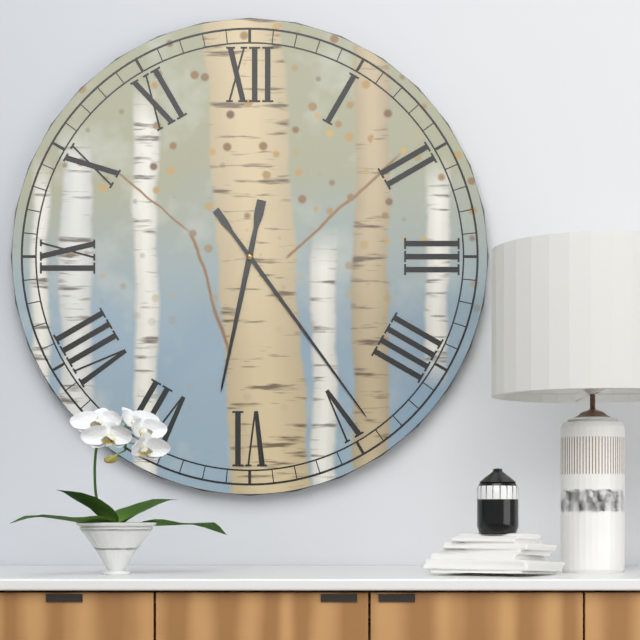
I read **6:24**
